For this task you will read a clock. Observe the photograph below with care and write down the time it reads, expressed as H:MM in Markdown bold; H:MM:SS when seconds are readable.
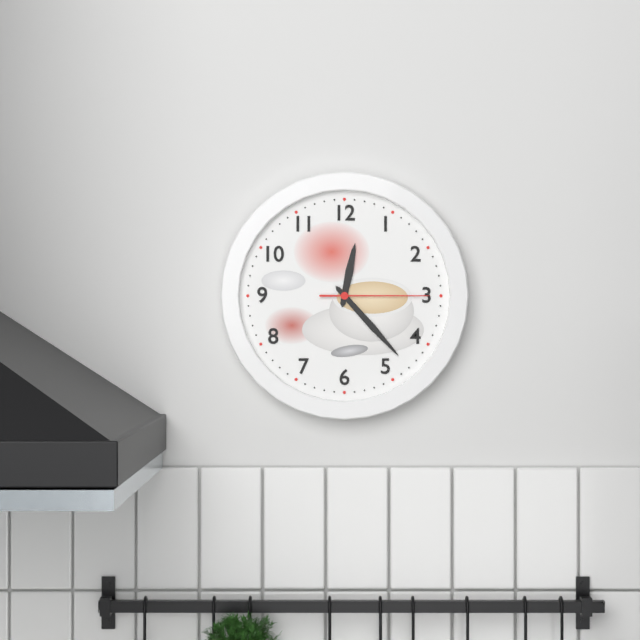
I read **12:23:15**
